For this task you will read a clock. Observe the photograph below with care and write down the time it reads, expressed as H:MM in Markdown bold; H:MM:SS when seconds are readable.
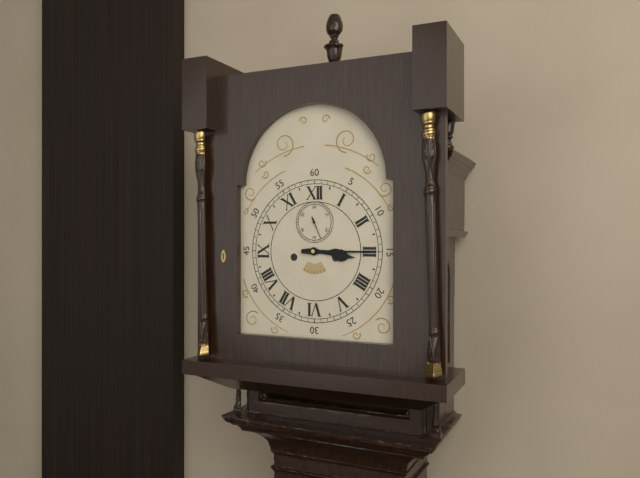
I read **3:15**
